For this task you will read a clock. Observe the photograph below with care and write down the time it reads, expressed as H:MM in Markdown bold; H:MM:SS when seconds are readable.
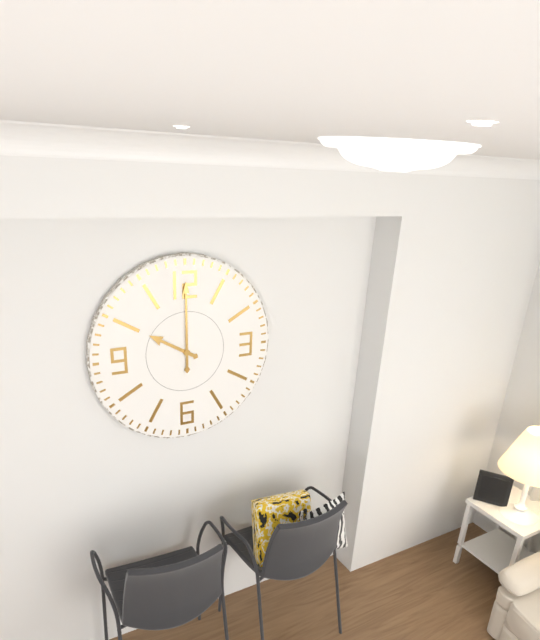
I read **10:00**
